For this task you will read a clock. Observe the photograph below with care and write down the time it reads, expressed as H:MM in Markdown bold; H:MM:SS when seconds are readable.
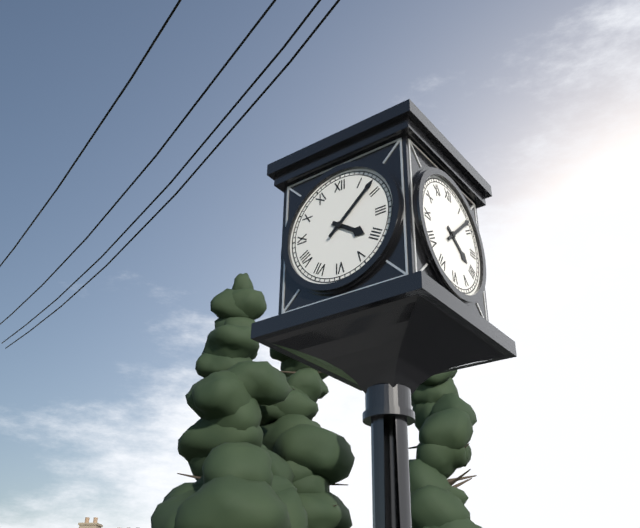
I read **4:08**
